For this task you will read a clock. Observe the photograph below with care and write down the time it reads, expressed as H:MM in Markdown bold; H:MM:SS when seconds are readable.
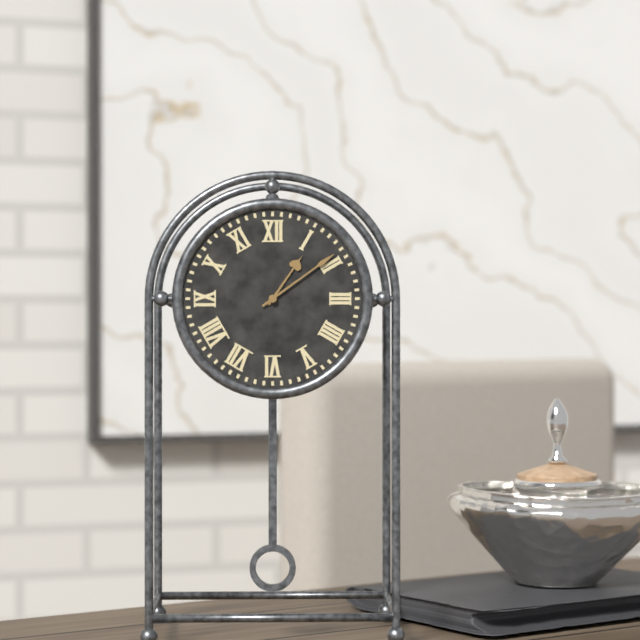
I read **1:09**
